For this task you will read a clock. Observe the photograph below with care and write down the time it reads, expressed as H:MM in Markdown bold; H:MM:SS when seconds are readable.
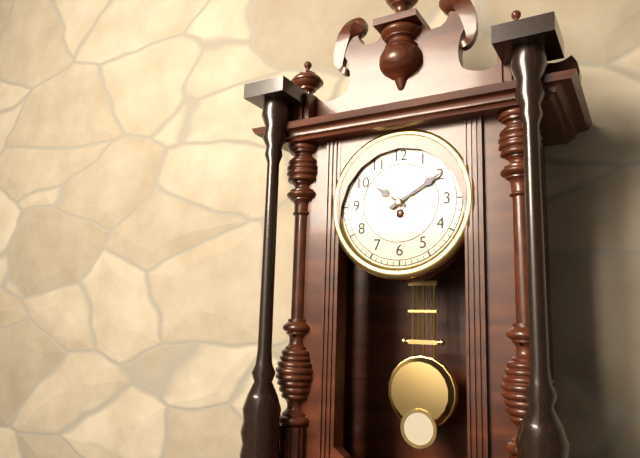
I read **10:10**
